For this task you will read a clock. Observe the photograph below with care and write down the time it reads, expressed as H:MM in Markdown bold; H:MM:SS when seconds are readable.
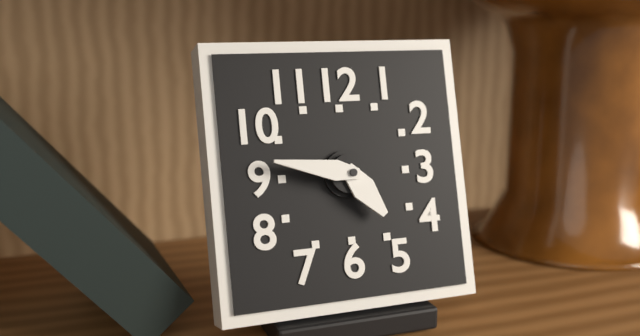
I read **4:47**
